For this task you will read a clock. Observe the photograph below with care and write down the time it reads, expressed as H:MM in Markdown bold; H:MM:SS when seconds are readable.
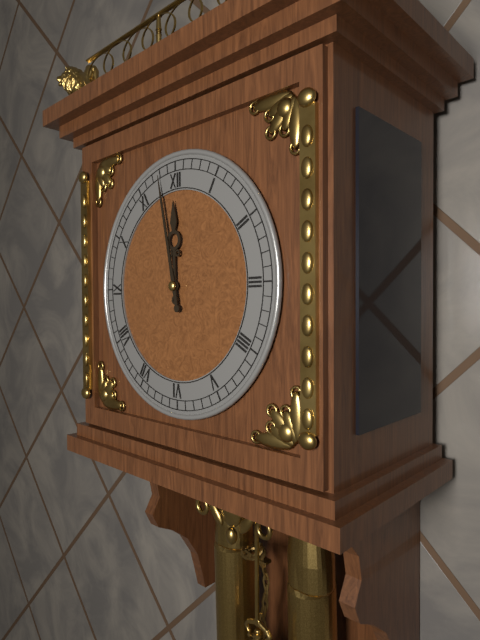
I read **11:58**
